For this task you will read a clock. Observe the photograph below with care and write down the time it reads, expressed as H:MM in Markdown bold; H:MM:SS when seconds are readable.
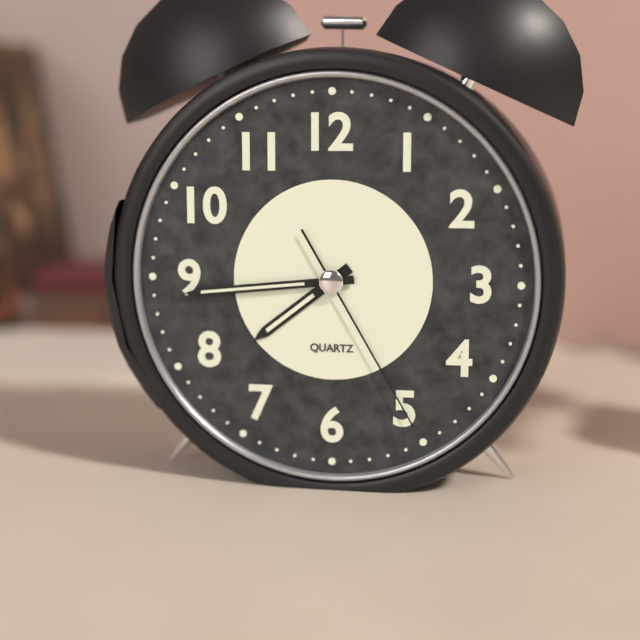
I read **7:44:25**
